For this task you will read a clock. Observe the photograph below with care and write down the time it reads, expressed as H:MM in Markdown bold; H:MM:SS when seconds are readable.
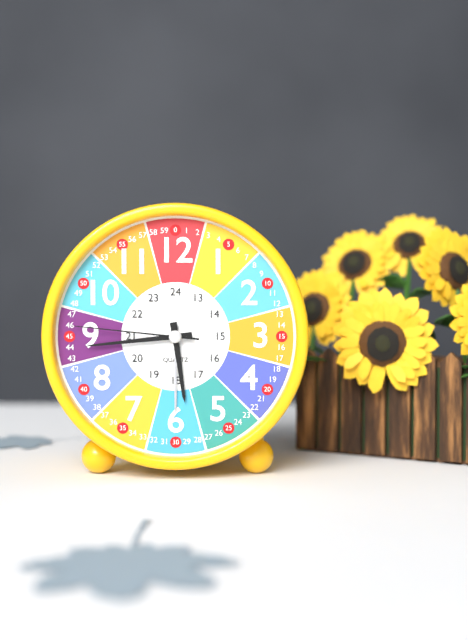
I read **5:44:46**
